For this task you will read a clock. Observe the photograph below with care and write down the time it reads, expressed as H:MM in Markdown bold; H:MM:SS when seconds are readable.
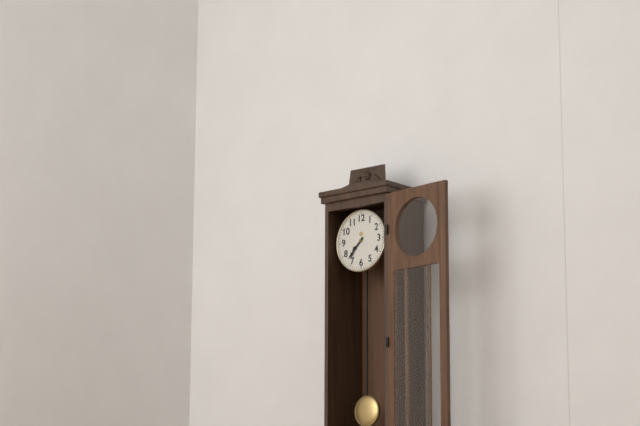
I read **7:37**
